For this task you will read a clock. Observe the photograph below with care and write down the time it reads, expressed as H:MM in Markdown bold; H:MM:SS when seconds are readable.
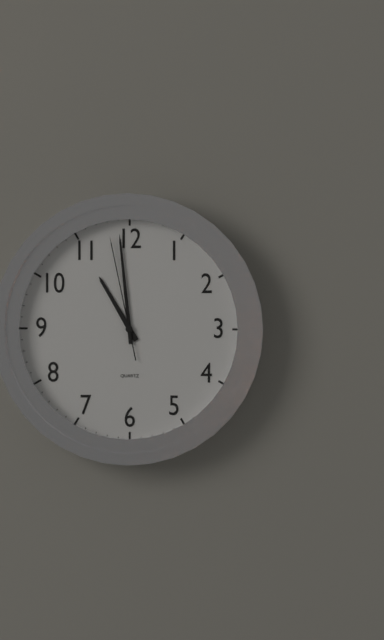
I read **10:59:58**
